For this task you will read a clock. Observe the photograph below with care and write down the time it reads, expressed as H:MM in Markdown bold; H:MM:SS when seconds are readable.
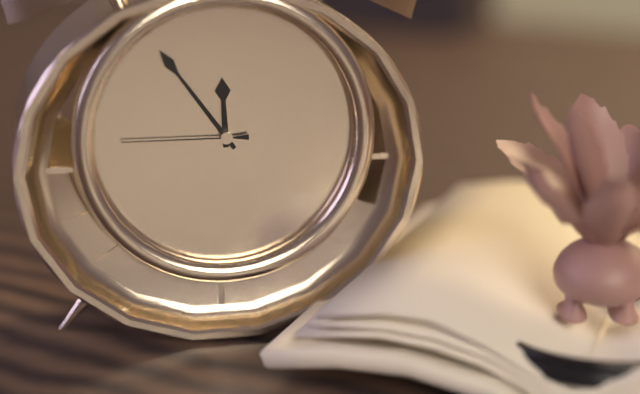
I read **11:54:45**
